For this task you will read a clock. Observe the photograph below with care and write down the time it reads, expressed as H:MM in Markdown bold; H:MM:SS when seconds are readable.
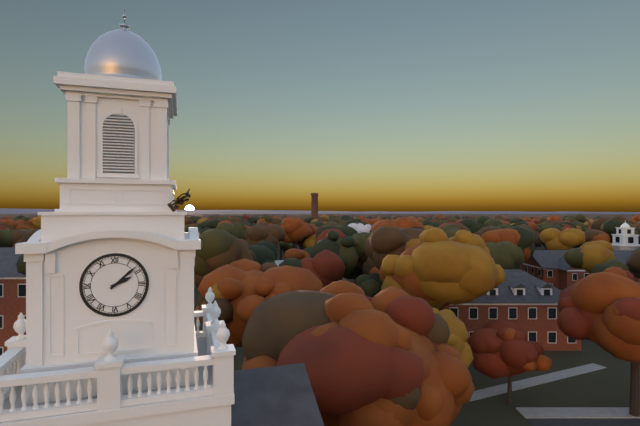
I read **2:08**
